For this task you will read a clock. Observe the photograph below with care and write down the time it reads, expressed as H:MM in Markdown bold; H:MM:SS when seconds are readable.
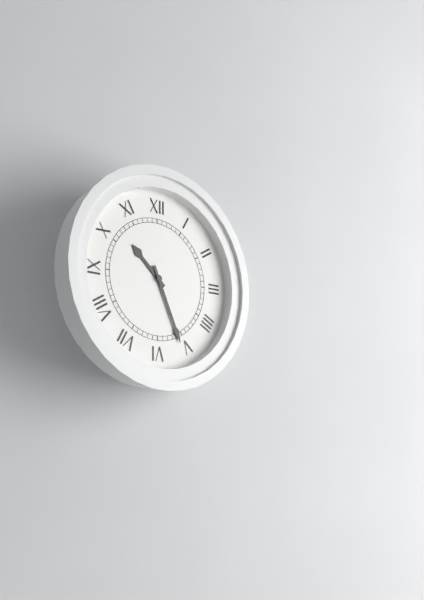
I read **10:26**
